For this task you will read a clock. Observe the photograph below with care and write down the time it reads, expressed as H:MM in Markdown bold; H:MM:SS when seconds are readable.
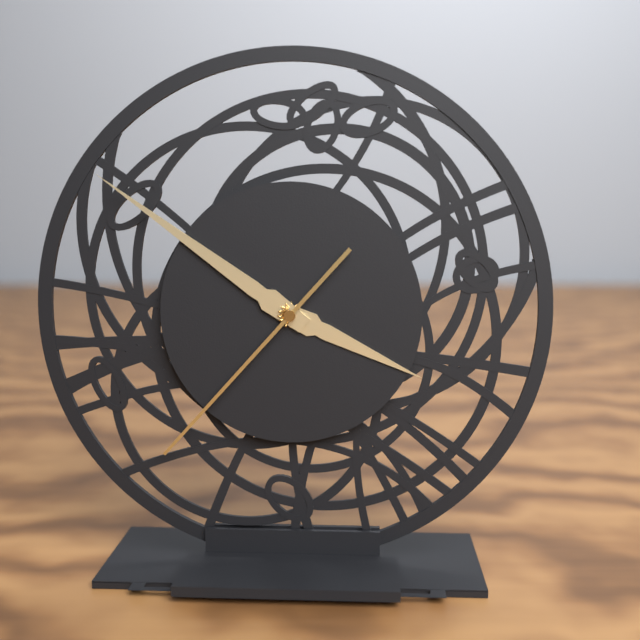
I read **3:51:37**
